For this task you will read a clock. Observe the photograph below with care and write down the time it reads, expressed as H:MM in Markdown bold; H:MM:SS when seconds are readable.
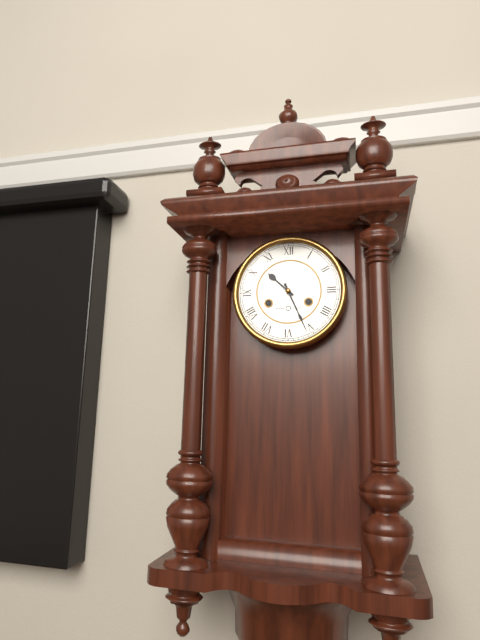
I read **10:26**
